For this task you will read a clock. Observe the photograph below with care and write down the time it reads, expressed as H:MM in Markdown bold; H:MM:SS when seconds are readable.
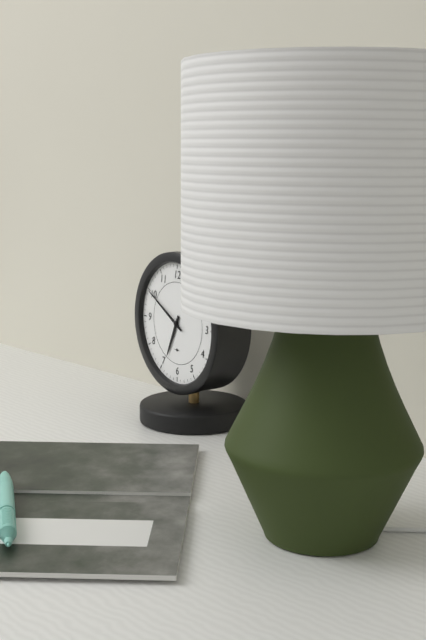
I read **6:50**
